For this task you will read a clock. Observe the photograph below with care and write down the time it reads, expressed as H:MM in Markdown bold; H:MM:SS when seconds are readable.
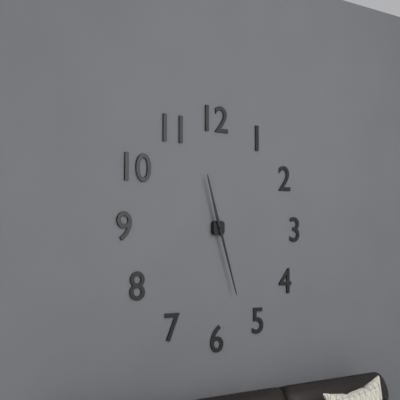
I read **11:27**
